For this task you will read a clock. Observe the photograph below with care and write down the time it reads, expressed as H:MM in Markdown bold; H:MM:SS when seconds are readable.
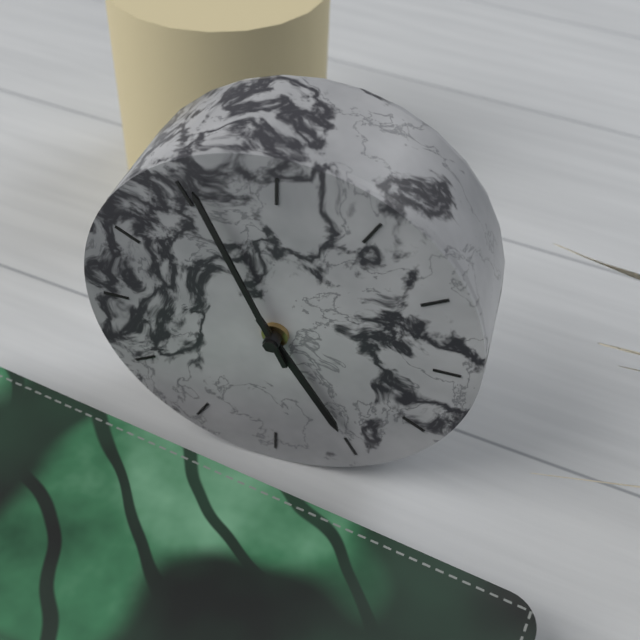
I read **4:56**
